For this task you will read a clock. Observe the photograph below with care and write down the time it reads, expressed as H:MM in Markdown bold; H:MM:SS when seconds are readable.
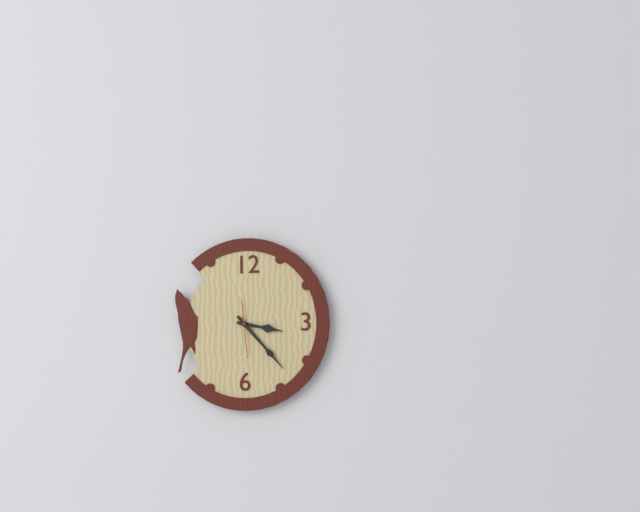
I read **3:23**
